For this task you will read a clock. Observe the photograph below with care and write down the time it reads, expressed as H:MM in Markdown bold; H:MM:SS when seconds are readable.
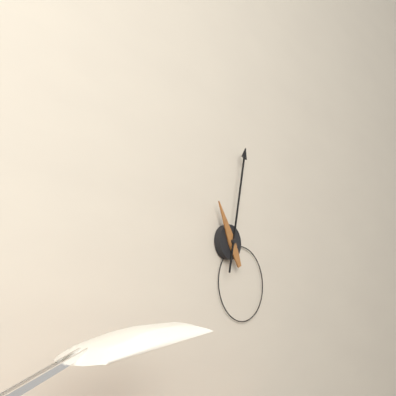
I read **11:02**
